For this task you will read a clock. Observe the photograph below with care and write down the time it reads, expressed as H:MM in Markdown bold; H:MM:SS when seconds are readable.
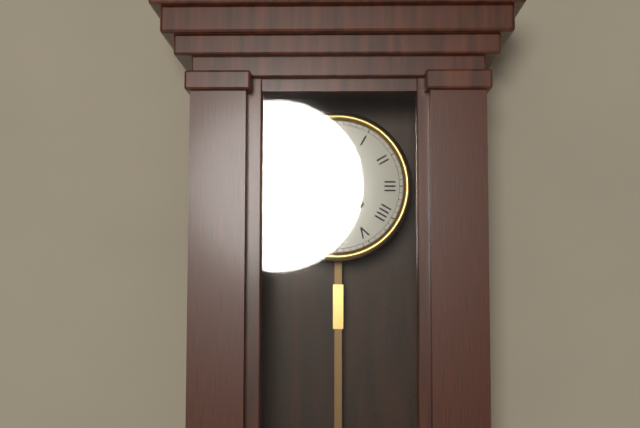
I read **7:38**
